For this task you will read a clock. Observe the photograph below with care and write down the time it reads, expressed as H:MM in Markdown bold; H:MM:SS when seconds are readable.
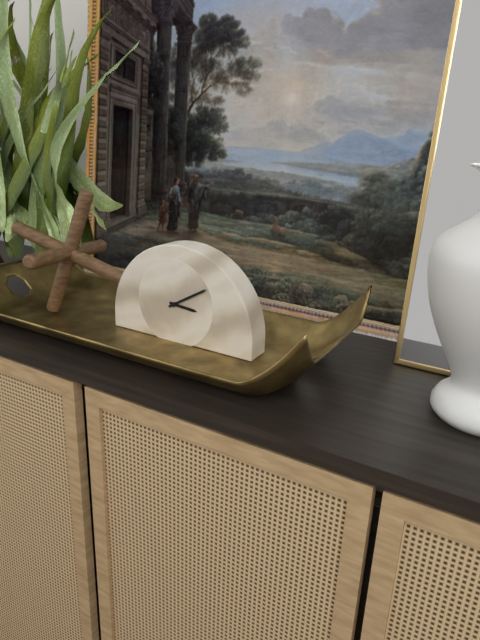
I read **3:10**
